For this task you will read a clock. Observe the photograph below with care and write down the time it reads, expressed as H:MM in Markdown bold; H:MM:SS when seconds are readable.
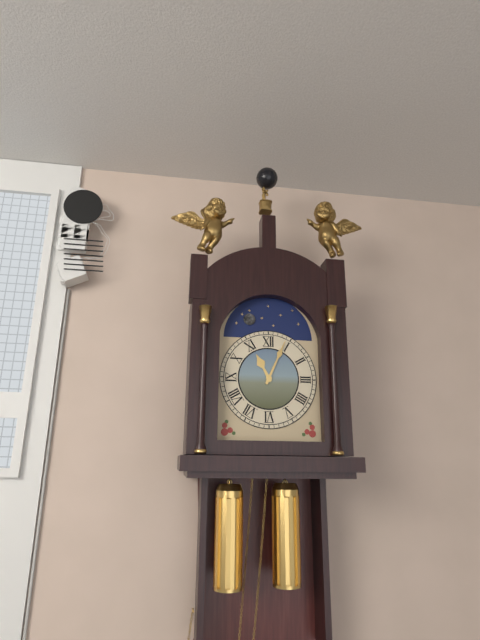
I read **11:04**
